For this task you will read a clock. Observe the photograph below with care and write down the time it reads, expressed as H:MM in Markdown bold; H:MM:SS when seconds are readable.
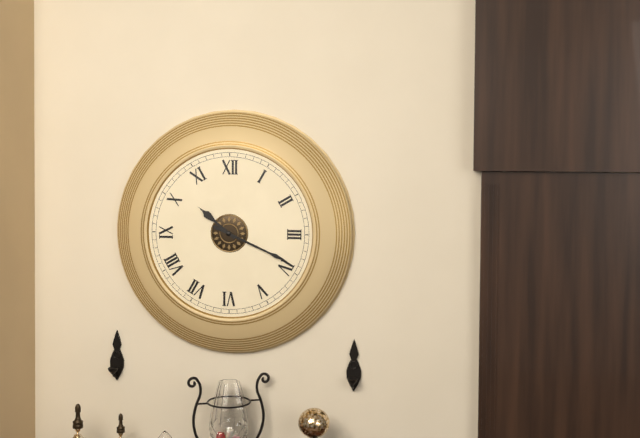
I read **10:19**
